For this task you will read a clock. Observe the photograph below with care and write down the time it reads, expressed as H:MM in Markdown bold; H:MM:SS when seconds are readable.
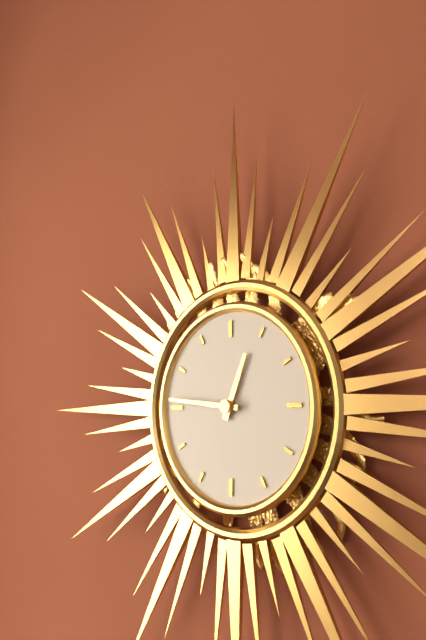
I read **12:46**
